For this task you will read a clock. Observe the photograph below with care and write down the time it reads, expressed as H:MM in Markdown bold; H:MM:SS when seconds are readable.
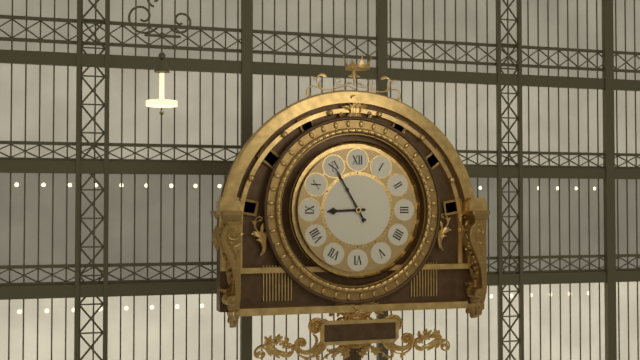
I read **8:55**
